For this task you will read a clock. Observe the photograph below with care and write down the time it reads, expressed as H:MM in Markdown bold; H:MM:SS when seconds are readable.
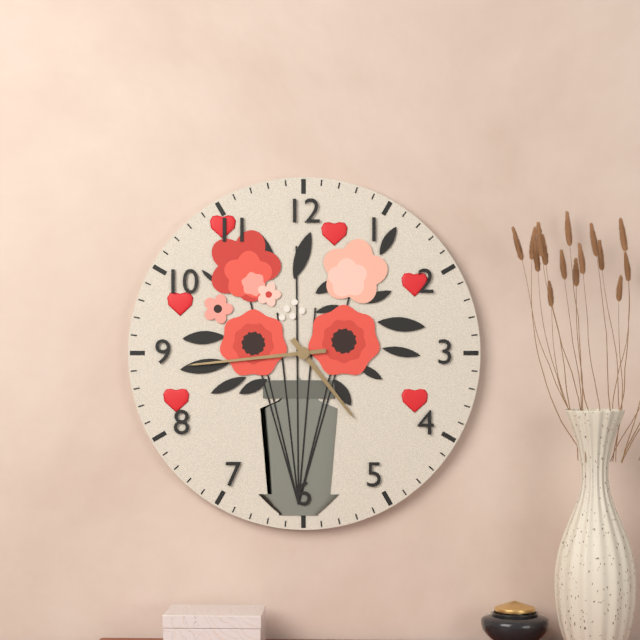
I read **4:44**
